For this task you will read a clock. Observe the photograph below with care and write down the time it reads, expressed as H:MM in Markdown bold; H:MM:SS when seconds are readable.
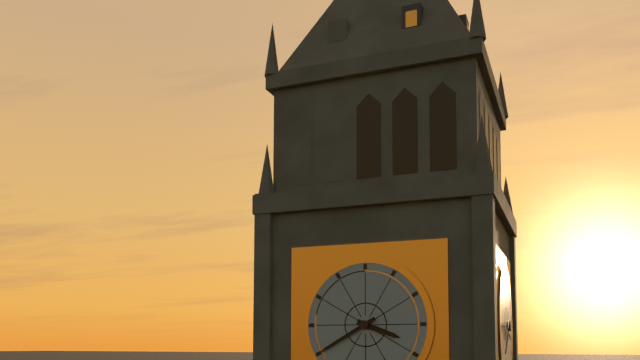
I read **3:40**
